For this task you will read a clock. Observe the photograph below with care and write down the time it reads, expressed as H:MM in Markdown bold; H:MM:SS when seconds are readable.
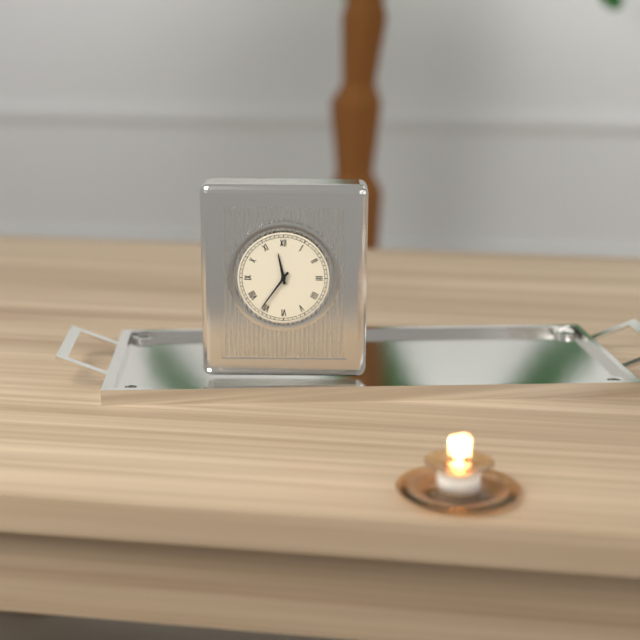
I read **11:36**
